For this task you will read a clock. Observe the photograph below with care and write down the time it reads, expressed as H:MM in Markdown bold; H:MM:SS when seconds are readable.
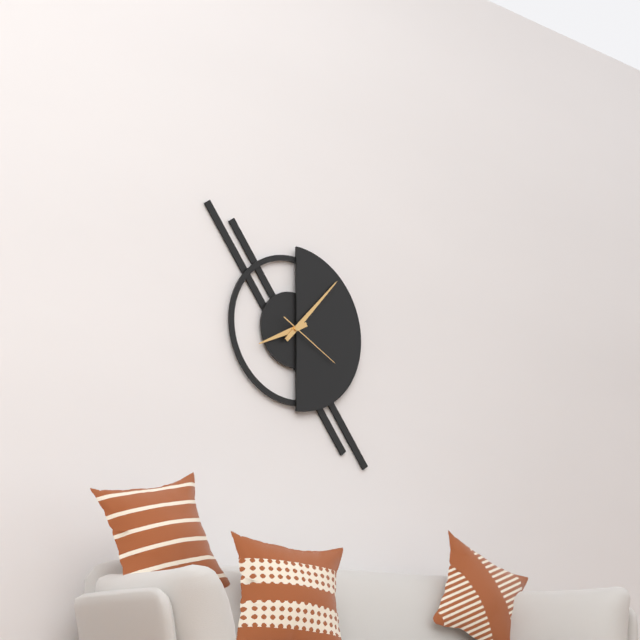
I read **8:07:20**
